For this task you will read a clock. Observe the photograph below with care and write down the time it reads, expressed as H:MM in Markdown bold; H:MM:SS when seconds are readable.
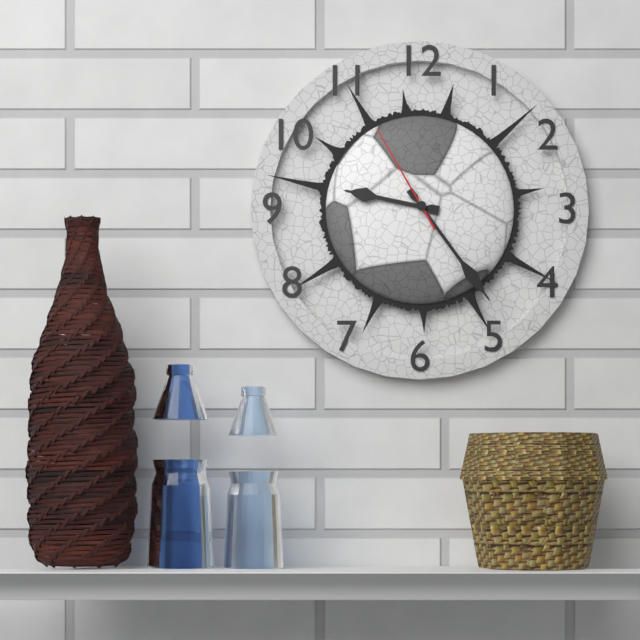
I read **9:24:55**
